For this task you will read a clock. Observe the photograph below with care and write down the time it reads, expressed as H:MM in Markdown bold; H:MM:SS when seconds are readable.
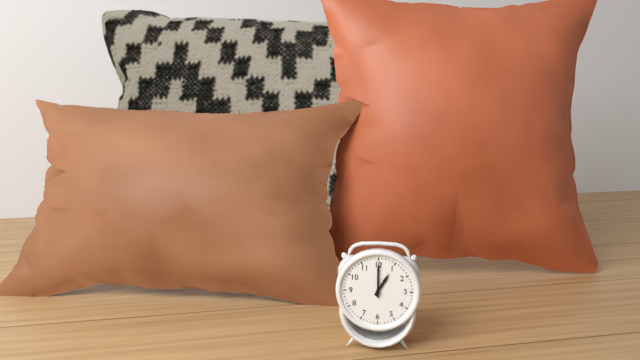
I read **1:00**
